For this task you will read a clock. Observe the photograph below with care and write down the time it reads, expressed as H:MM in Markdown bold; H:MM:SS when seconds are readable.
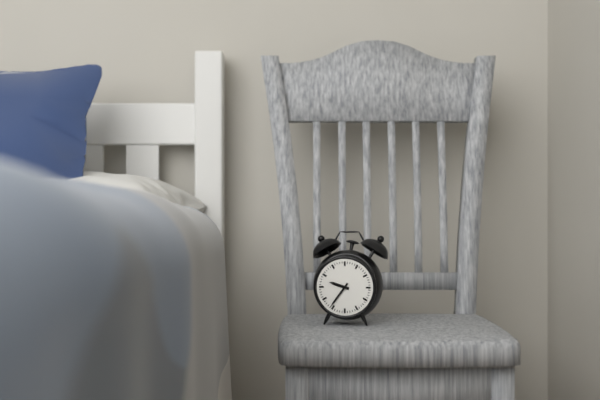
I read **9:36**
